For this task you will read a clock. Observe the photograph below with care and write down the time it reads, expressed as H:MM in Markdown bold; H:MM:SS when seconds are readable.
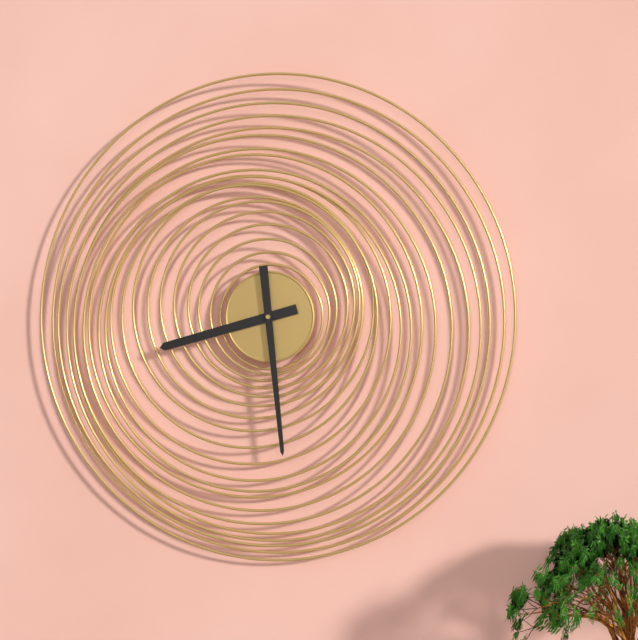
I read **8:29**
